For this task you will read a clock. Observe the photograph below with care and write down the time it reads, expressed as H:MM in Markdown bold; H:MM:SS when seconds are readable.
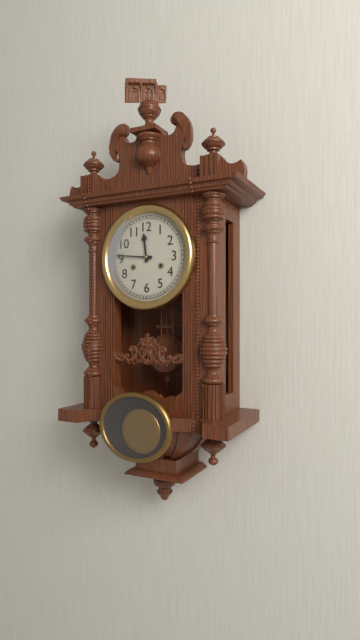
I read **11:46**
